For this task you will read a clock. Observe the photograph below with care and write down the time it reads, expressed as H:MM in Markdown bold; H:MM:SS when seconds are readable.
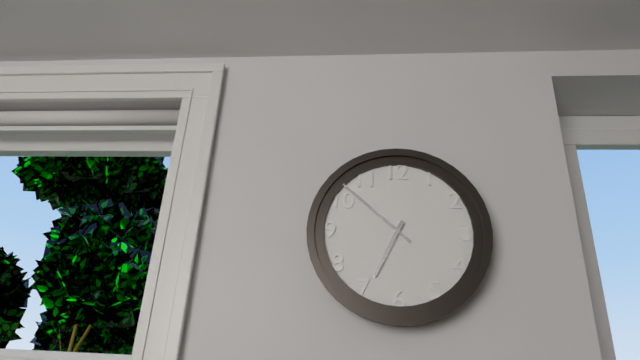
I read **6:52**
